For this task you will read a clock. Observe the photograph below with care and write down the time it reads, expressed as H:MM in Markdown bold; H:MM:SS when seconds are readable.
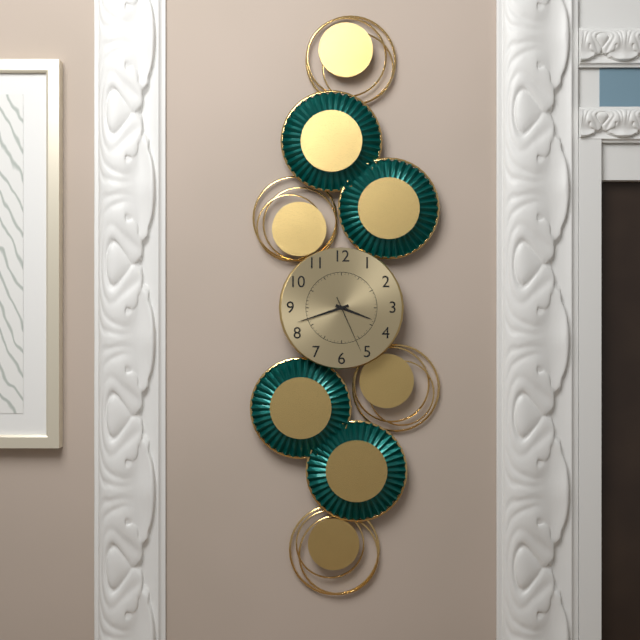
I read **3:42:26**
